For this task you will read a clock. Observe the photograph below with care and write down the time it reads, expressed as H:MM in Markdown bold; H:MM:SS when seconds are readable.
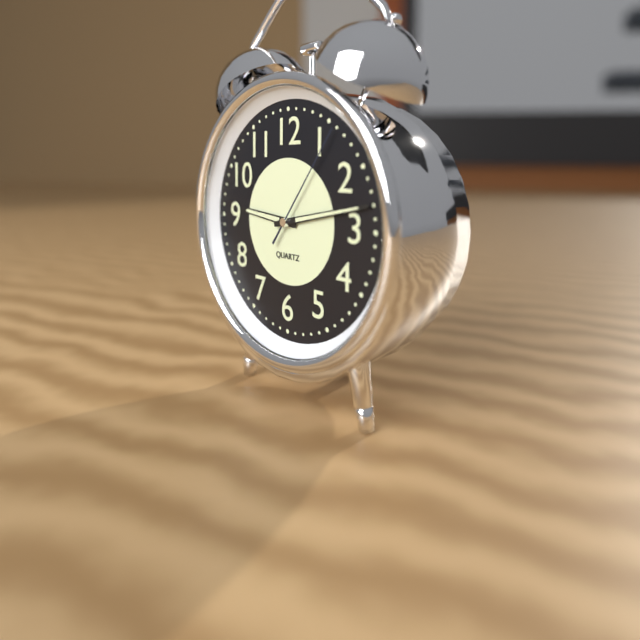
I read **9:13:06**
